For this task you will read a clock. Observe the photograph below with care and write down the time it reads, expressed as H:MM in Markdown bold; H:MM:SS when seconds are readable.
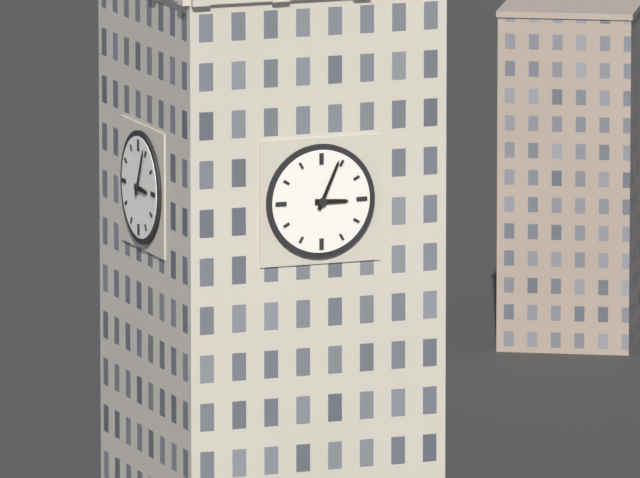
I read **3:04**
